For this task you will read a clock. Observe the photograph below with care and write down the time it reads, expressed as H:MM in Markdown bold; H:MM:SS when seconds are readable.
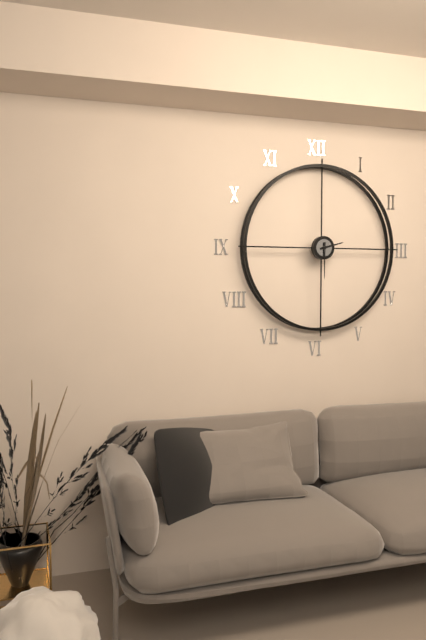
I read **2:30**
